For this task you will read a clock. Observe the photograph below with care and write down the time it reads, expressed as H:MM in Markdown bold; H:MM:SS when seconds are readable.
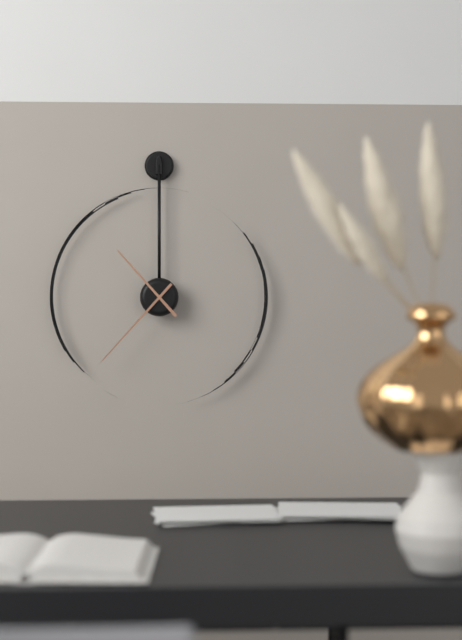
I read **10:37**
